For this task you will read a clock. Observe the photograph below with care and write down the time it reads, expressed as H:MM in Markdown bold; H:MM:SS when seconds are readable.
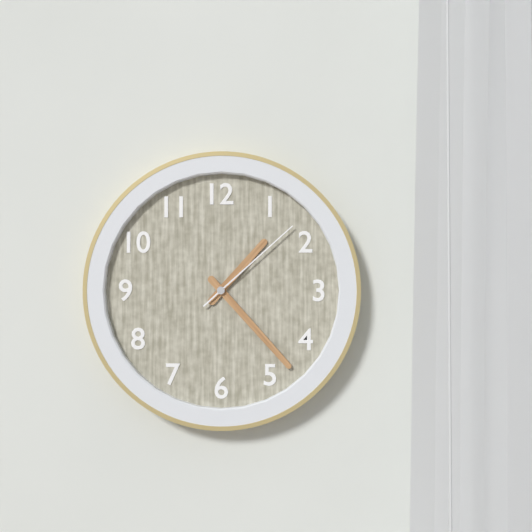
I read **1:23:08**
